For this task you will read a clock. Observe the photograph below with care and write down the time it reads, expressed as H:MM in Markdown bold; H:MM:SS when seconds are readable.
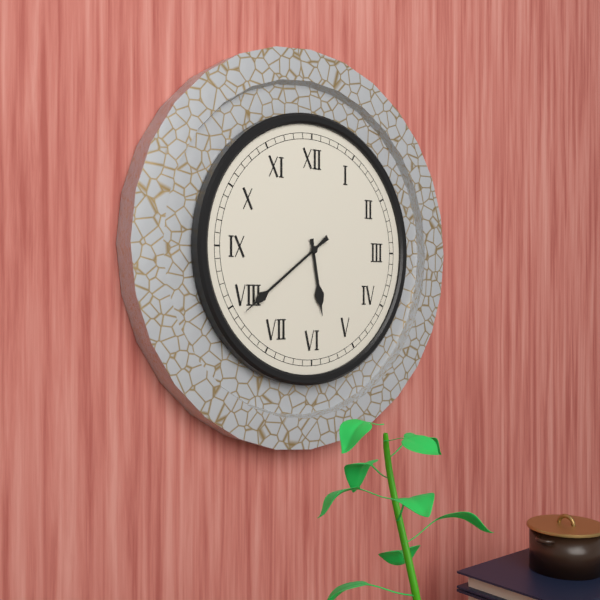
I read **5:39**
